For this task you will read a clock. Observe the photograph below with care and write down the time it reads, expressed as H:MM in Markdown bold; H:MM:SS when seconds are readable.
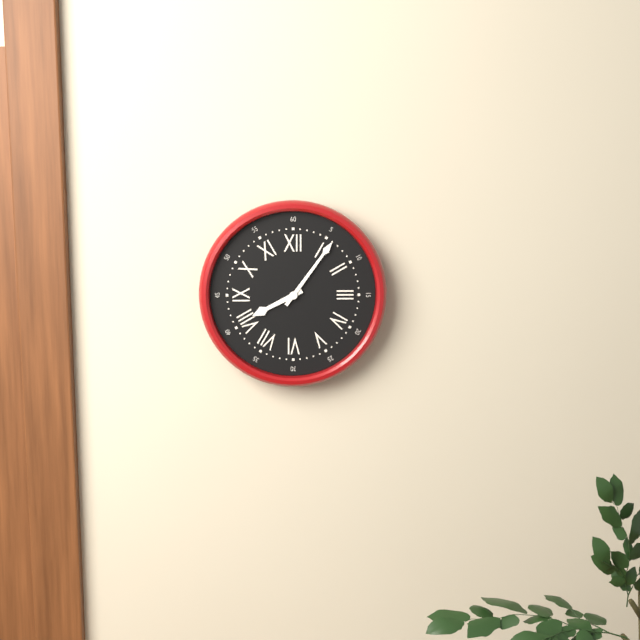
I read **8:06**
